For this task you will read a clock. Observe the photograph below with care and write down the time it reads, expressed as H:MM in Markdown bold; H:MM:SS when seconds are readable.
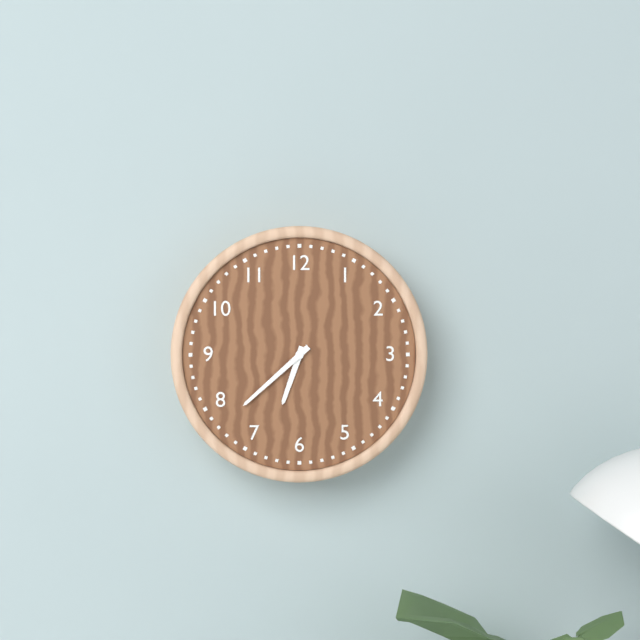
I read **6:38**
